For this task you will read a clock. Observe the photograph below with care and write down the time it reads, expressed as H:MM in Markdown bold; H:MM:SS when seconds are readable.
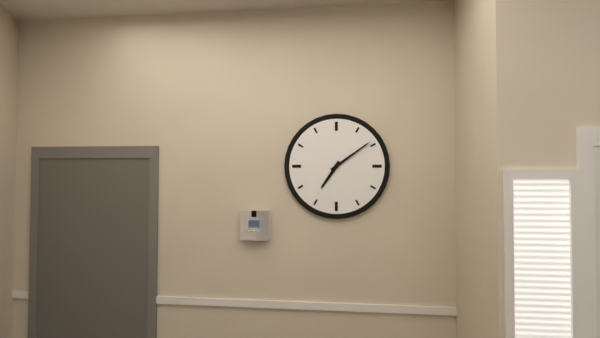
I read **7:09**
